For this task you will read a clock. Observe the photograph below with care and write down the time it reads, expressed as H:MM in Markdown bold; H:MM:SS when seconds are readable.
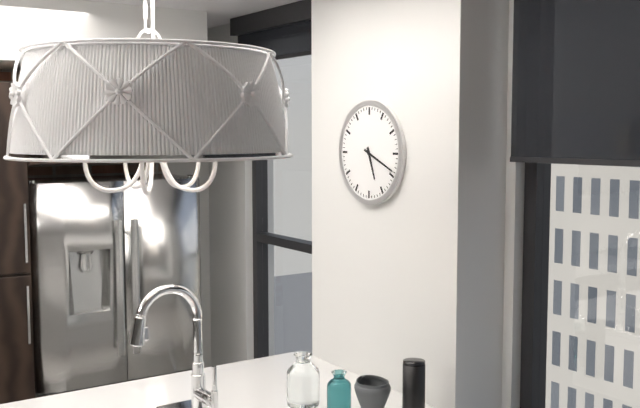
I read **5:19**
